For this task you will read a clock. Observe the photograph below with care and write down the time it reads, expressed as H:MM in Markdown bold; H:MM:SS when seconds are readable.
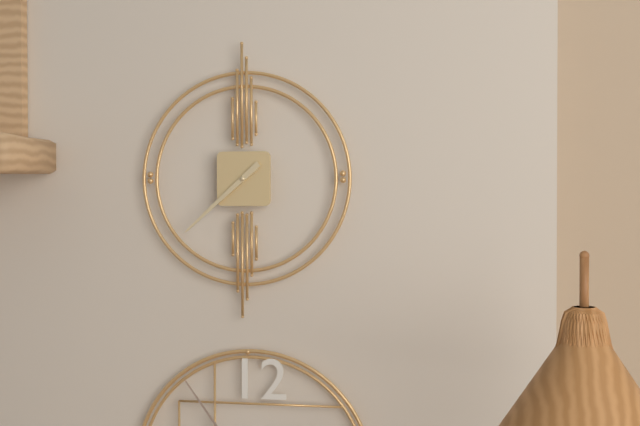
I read **7:38**
